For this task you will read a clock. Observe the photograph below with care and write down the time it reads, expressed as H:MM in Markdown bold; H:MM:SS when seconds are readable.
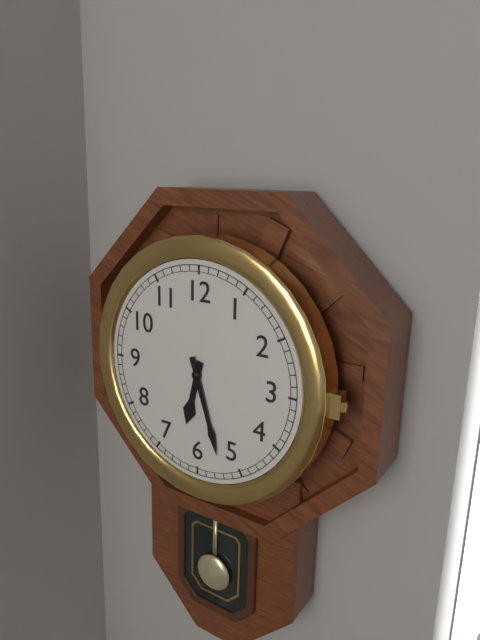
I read **6:27**
